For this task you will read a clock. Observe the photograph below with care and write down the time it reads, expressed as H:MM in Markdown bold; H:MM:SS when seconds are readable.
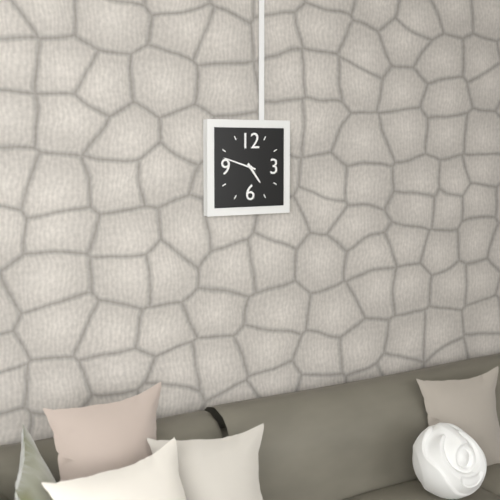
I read **4:48**
